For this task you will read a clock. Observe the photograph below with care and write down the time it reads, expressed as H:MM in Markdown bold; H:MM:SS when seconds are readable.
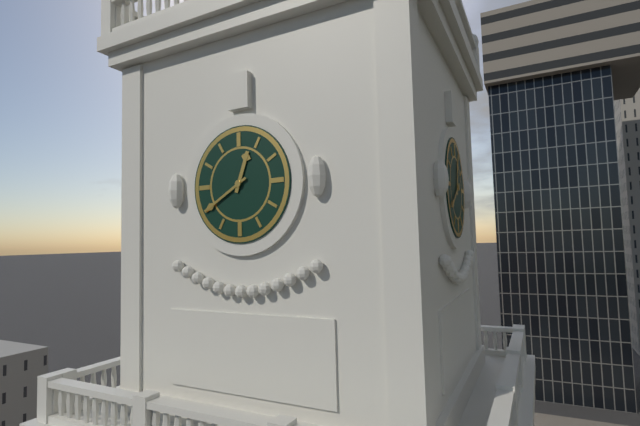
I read **12:40**
